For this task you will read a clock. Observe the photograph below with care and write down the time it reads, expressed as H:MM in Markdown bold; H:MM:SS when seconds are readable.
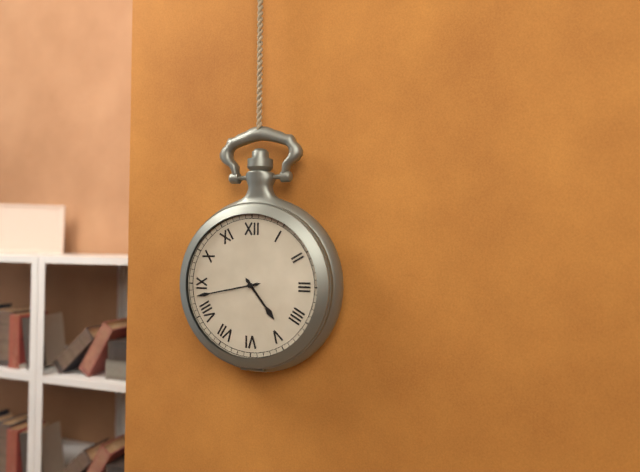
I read **4:43**
